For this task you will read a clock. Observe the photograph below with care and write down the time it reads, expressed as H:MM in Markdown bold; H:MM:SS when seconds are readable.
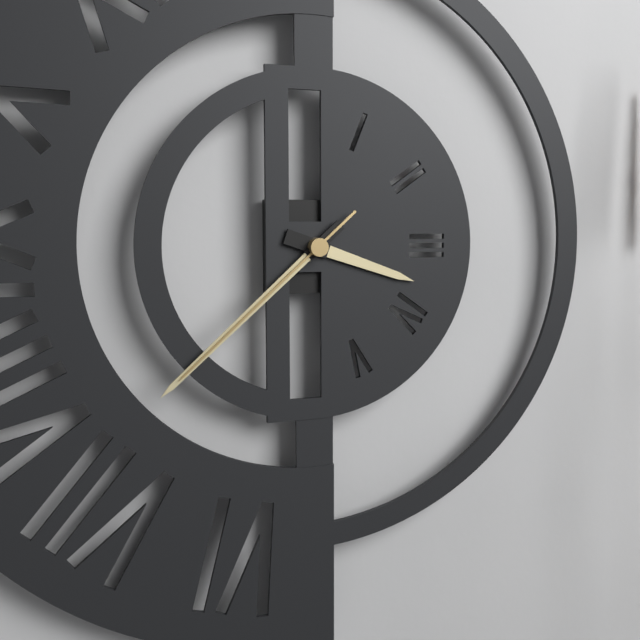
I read **3:38:38**
